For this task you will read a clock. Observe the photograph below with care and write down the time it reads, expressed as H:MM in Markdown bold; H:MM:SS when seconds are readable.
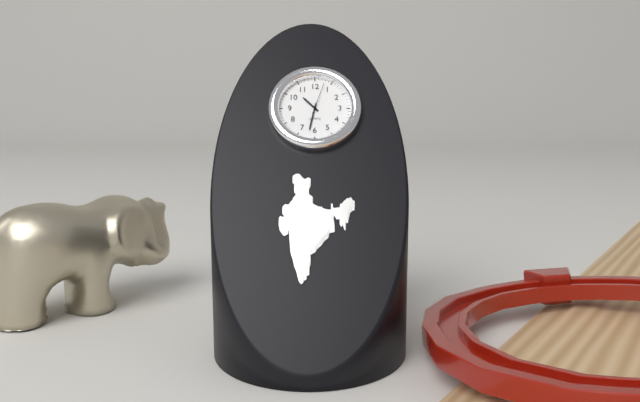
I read **10:32**
